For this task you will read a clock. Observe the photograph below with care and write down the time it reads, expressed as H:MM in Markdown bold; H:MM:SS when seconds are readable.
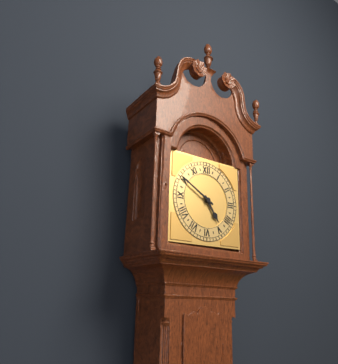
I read **4:50**
